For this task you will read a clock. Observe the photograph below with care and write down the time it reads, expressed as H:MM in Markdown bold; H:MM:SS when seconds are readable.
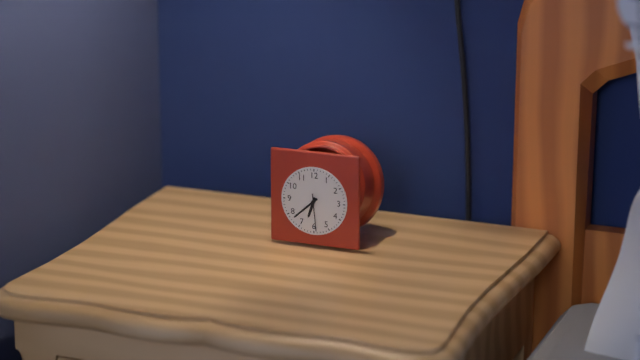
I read **6:38**
